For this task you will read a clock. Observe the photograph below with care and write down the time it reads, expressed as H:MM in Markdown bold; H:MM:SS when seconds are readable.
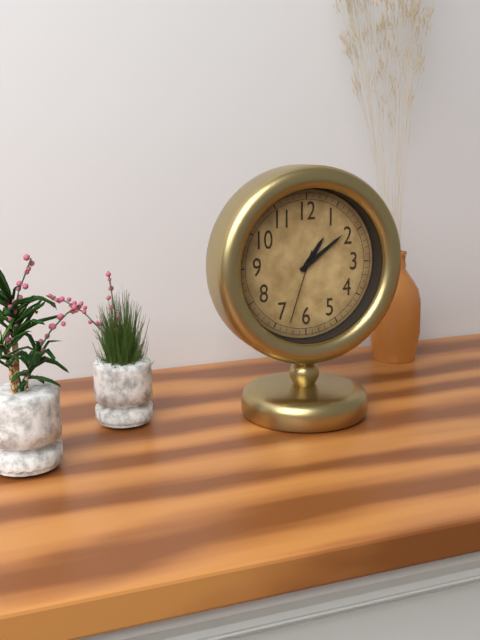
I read **1:09:33**
